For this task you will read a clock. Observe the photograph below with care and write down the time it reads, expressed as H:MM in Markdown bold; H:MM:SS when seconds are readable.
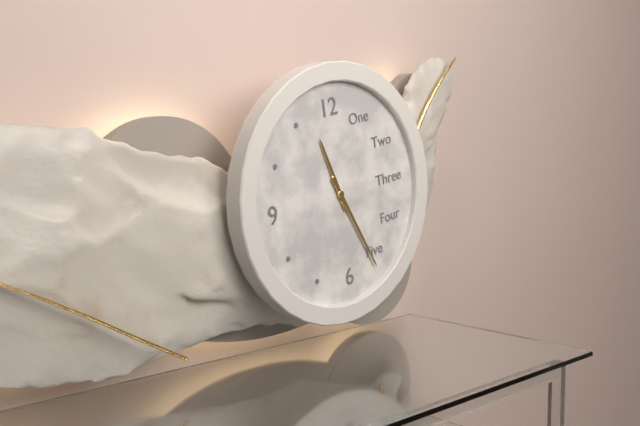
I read **11:26**
